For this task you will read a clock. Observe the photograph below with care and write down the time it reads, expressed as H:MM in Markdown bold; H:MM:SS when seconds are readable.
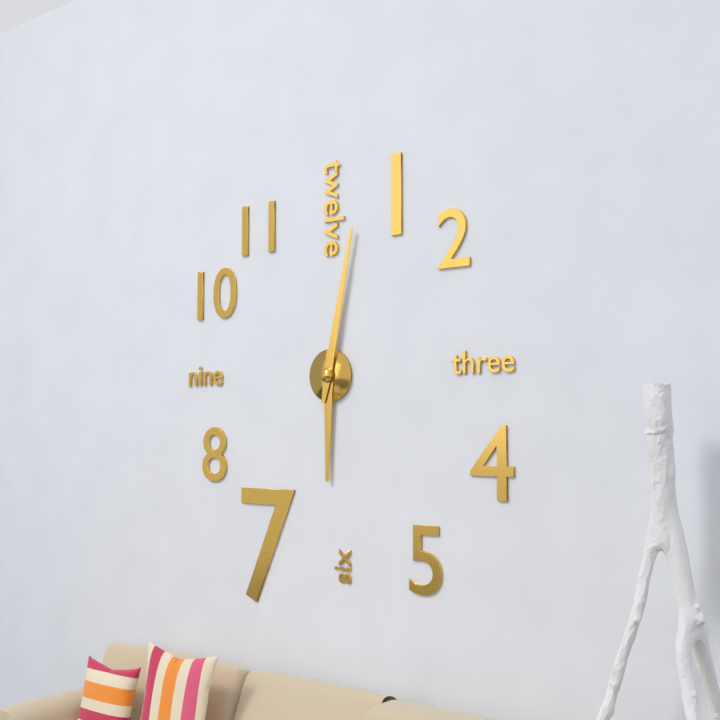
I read **6:02**
